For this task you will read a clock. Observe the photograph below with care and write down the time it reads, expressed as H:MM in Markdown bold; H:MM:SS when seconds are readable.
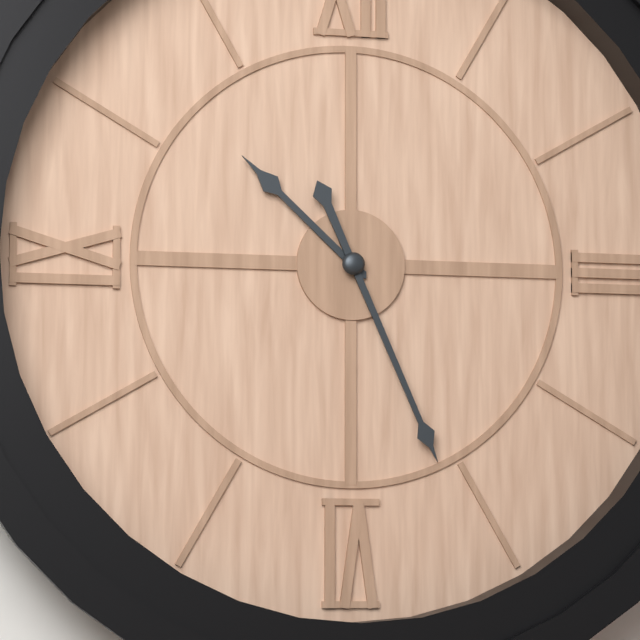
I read **10:26**
